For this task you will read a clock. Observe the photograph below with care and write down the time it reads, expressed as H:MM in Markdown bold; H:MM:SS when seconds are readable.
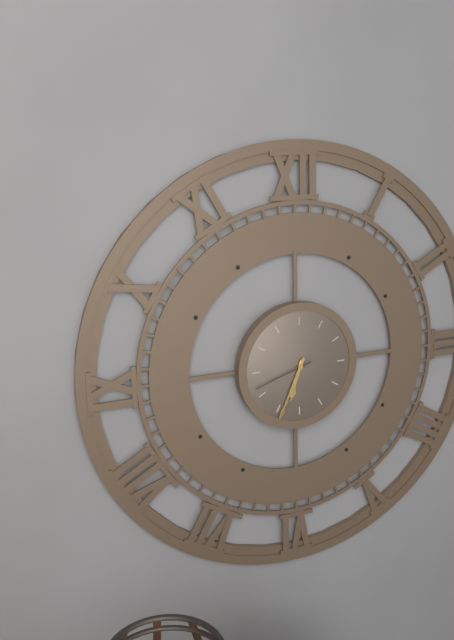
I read **6:34:42**
